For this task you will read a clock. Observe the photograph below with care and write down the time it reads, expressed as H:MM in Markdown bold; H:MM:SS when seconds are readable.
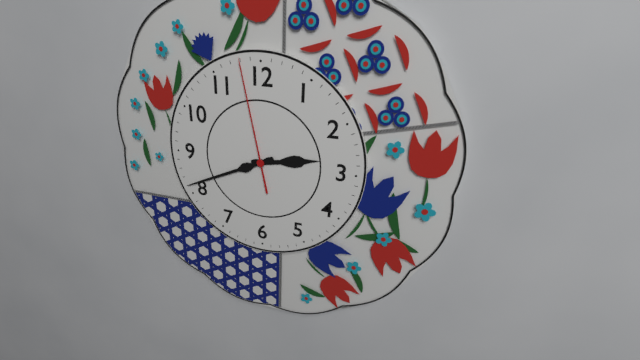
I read **2:41:58**
